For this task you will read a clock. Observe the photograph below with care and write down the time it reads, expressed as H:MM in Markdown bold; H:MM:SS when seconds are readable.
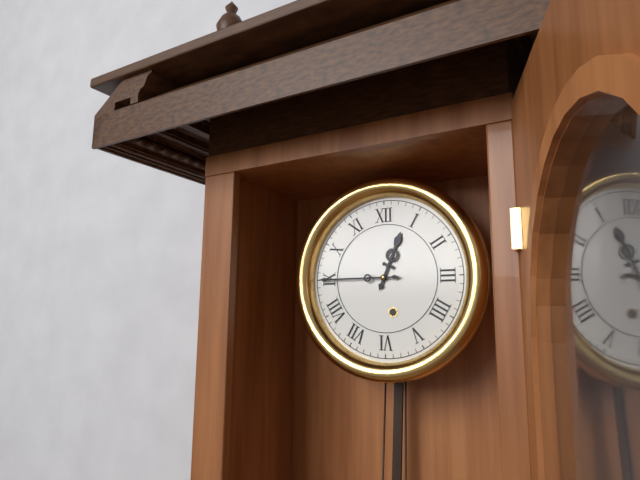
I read **12:45**
